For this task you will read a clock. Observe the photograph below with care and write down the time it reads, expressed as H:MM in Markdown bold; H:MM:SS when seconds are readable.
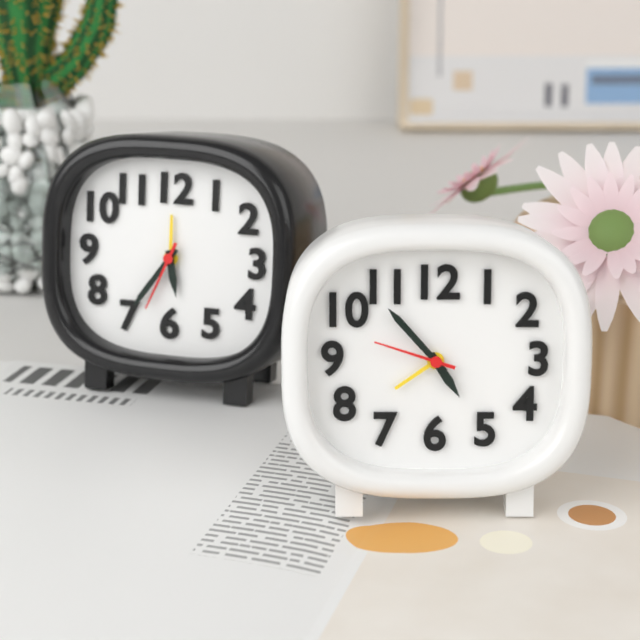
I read **4:53:48**
